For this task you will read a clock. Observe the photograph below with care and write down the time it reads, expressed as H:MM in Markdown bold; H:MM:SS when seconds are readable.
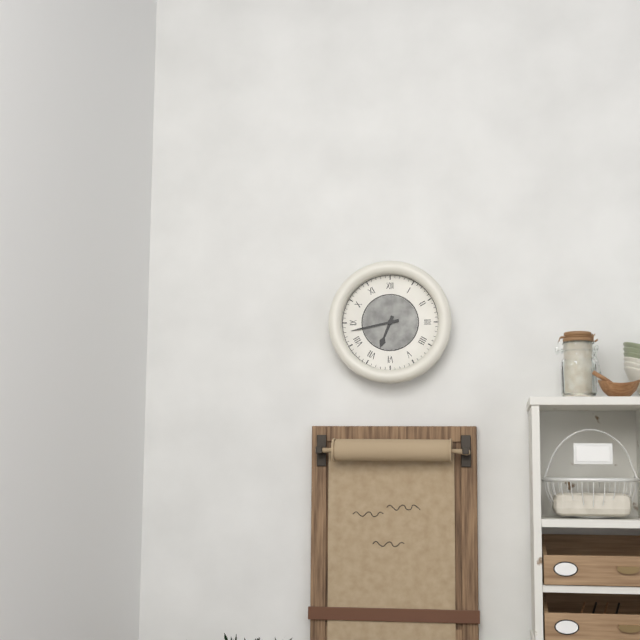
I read **6:43**
